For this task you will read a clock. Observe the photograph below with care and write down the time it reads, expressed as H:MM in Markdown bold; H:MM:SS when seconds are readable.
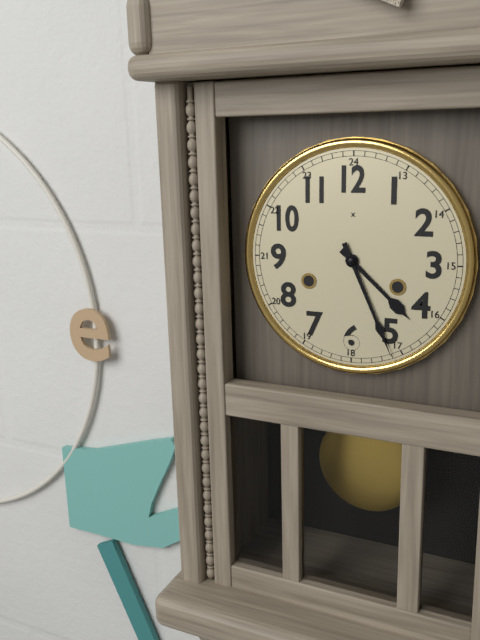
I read **4:26**
